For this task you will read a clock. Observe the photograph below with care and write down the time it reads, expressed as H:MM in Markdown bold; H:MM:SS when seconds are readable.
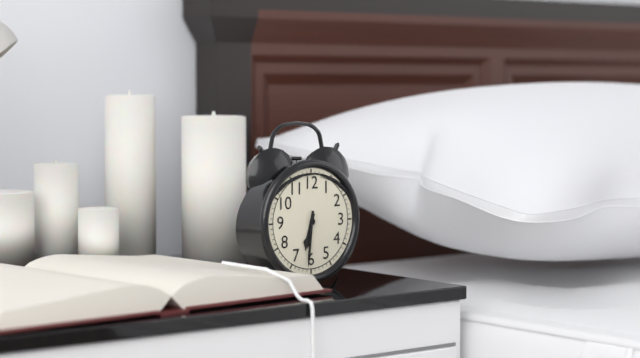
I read **6:31**
